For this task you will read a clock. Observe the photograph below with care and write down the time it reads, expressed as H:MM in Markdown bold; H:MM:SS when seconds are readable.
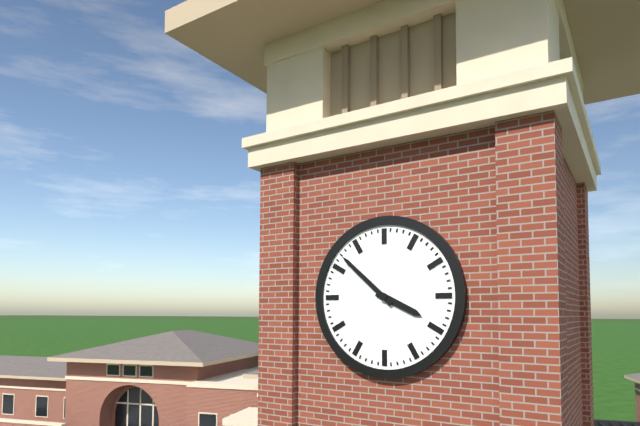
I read **3:52**
